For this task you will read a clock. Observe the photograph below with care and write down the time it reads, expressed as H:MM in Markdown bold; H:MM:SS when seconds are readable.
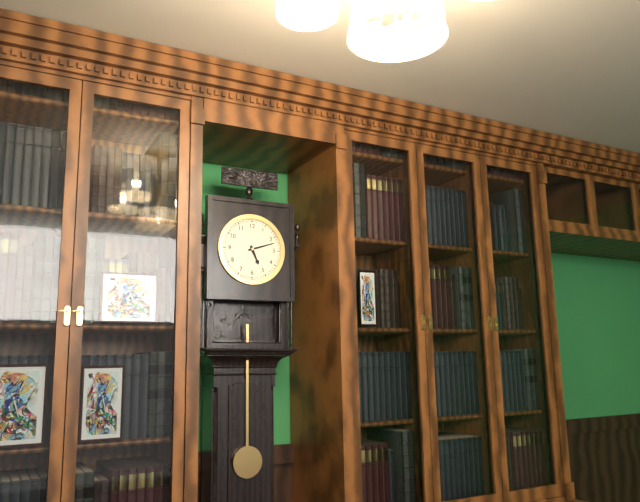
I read **5:12**
